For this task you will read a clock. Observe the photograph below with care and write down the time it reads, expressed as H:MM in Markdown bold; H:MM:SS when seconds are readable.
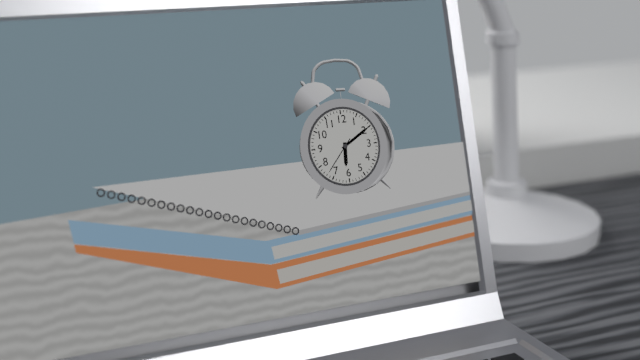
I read **6:10**
